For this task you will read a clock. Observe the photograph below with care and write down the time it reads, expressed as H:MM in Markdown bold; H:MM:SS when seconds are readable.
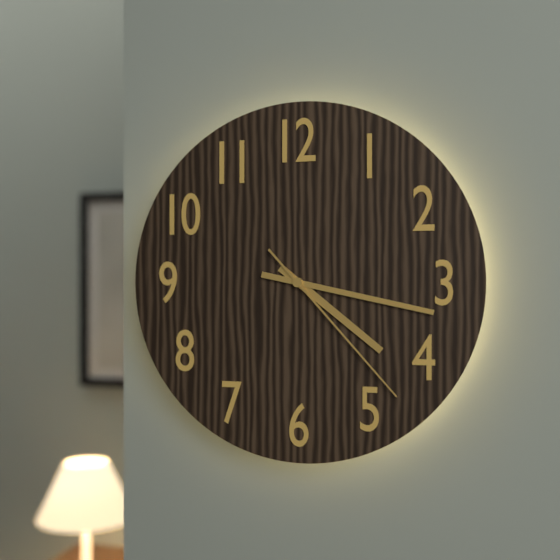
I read **4:17:23**
